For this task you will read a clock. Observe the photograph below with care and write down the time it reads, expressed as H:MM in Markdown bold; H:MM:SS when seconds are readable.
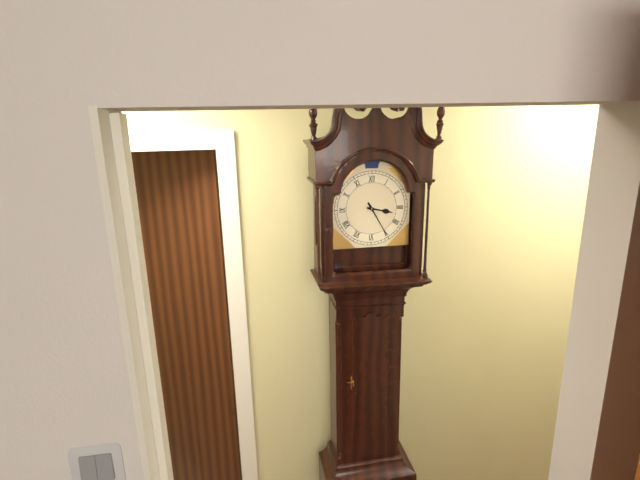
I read **3:25**
